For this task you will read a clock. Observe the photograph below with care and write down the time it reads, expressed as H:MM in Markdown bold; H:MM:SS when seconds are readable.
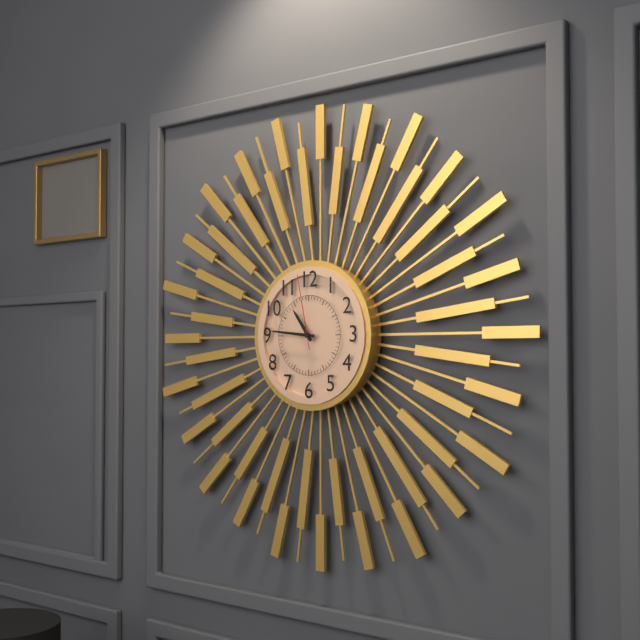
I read **10:46:58**
